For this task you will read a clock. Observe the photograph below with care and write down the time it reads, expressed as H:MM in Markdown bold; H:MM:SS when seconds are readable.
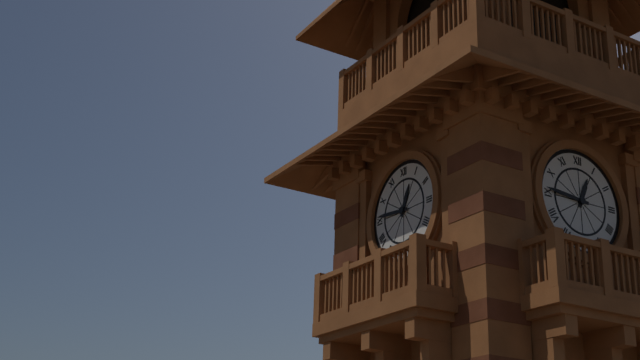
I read **12:46**
